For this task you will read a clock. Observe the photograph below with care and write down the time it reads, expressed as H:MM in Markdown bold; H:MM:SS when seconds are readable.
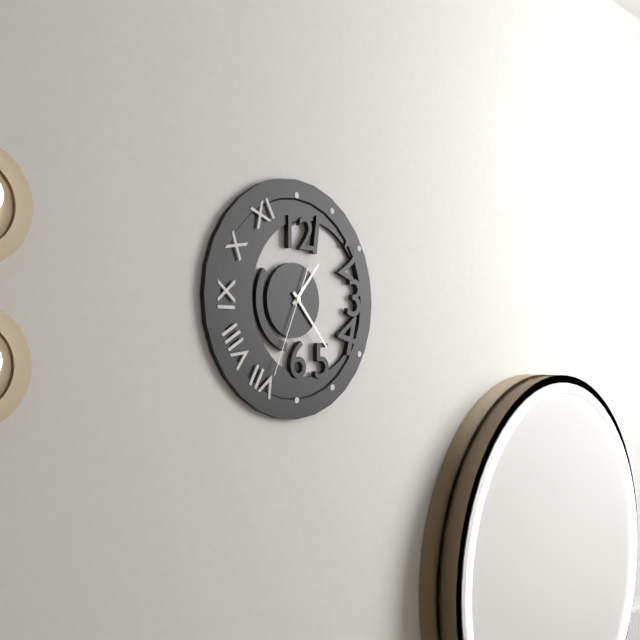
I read **1:23:34**
